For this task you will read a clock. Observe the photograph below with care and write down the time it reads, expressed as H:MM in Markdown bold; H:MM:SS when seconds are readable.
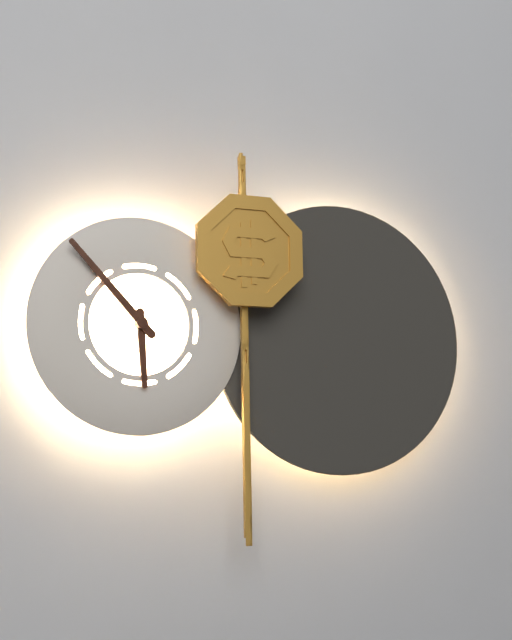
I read **5:53**
